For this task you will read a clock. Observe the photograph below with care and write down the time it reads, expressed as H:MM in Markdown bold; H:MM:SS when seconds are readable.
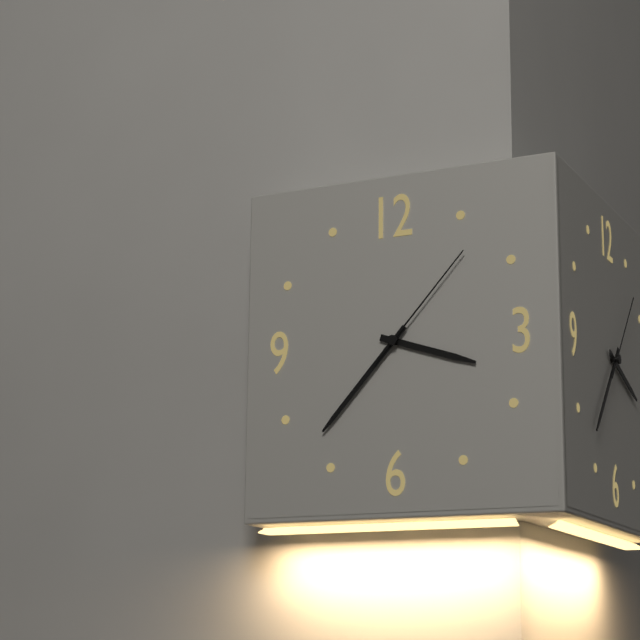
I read **3:37:07**
